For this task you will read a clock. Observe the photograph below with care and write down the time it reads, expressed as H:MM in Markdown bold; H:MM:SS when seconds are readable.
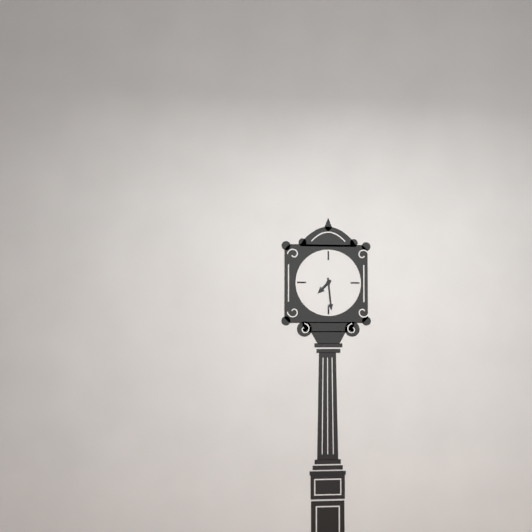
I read **7:29**
